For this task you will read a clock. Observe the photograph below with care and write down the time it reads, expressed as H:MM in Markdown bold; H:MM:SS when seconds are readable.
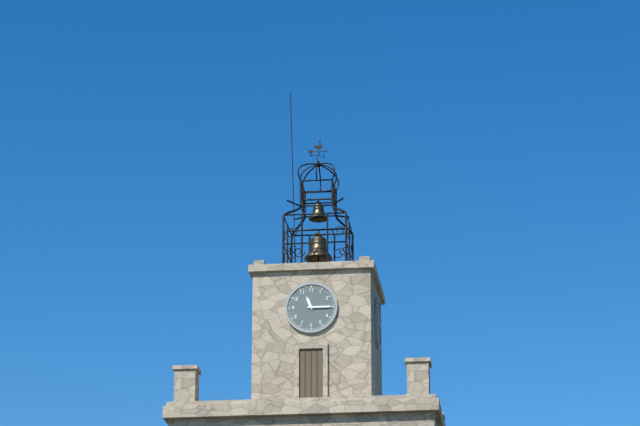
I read **11:15**
